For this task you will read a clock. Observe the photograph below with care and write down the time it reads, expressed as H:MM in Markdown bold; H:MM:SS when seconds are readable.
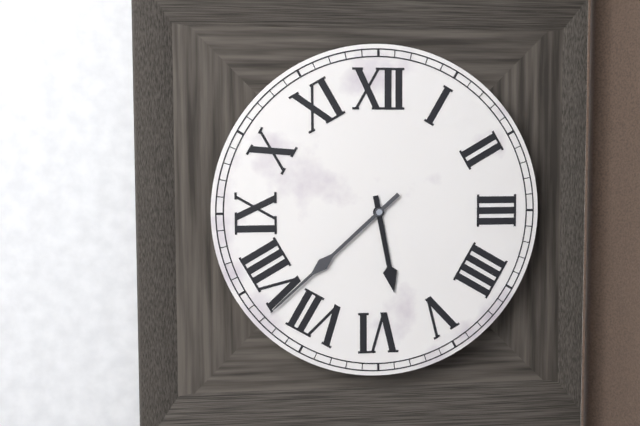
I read **5:38**
